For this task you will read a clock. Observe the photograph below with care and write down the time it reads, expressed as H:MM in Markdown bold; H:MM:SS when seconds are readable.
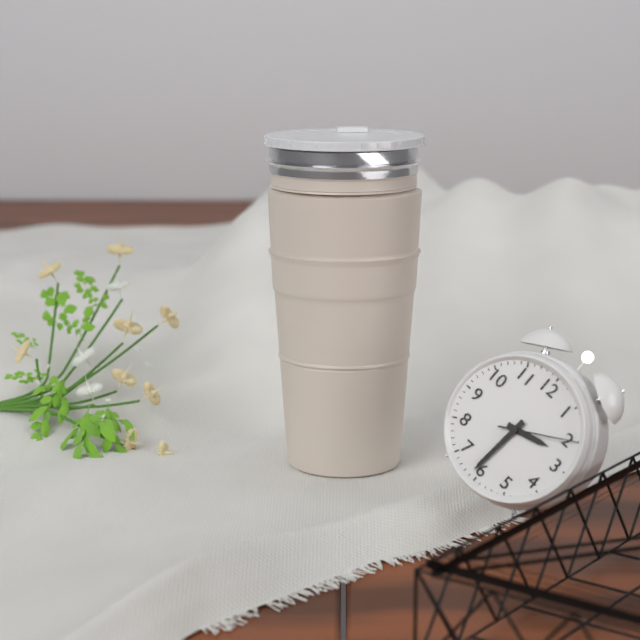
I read **2:31:10**
